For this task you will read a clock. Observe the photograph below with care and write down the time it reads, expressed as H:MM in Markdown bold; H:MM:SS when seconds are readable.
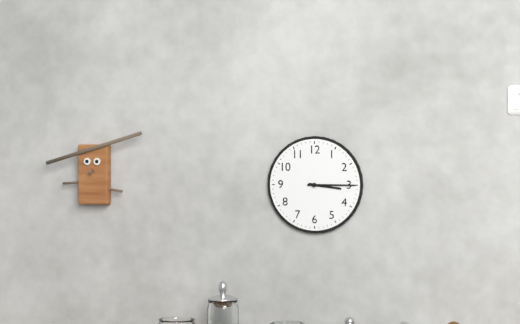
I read **3:15**
